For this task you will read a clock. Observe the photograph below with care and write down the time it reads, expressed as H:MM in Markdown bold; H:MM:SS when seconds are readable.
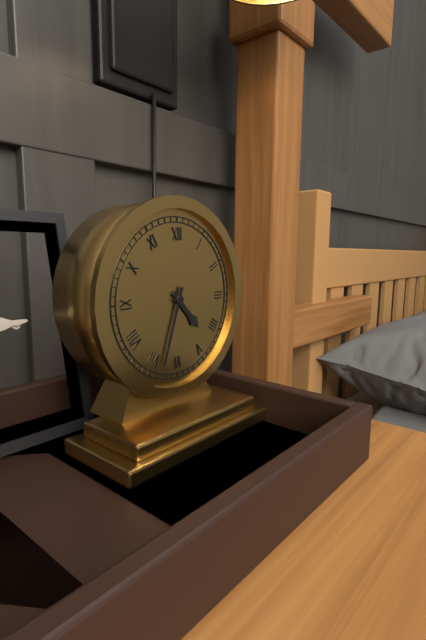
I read **4:33**
